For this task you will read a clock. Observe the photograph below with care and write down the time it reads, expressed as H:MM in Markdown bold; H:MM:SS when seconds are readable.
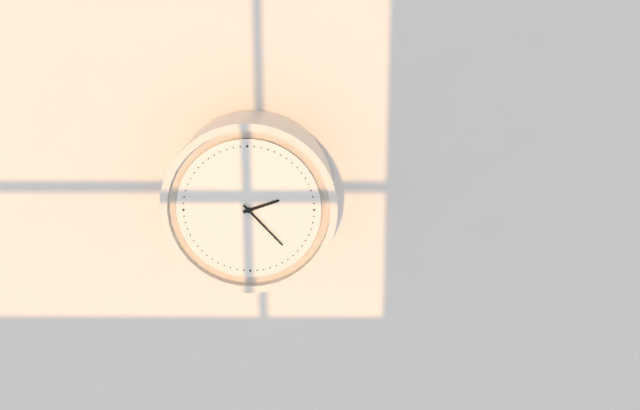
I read **2:23**
